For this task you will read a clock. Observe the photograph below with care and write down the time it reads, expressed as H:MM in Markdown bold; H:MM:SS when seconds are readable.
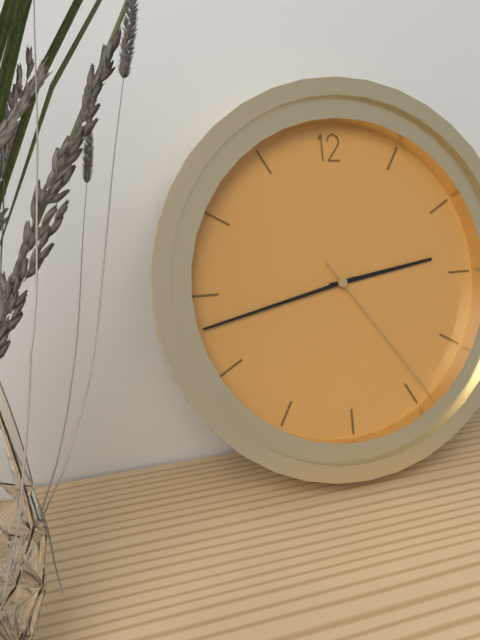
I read **2:43:24**
